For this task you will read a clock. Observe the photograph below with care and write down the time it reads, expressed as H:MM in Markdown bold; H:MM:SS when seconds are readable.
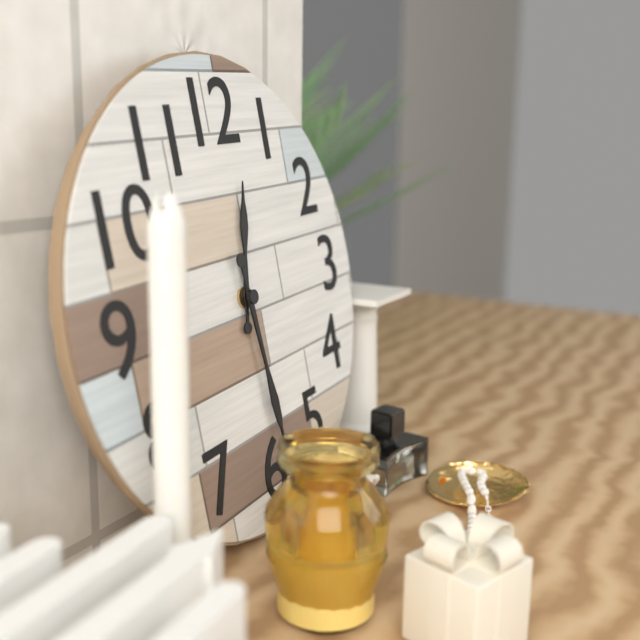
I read **12:29**
